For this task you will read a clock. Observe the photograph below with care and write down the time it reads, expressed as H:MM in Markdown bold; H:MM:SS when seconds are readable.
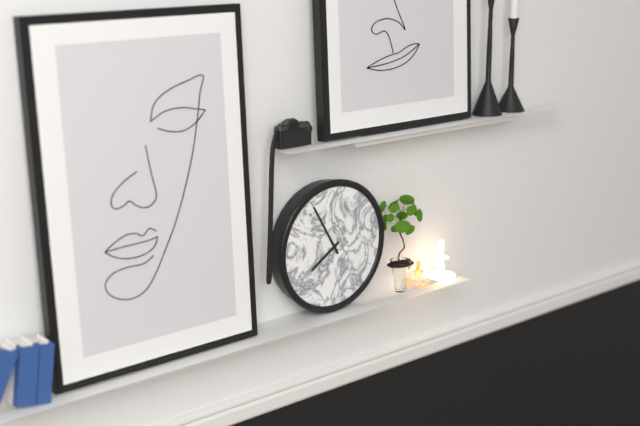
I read **7:55**
